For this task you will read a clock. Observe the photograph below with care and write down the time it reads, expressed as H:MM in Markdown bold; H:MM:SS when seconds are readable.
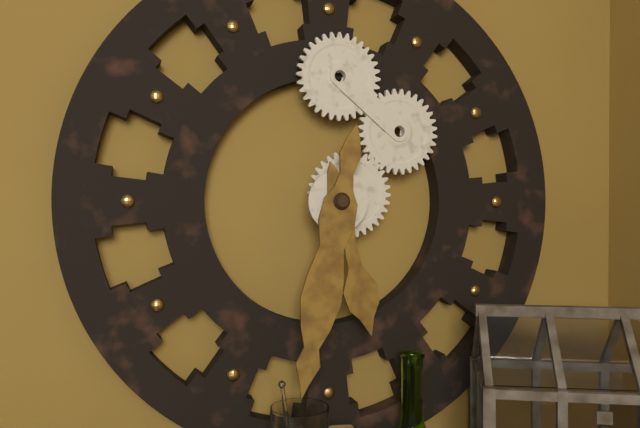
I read **5:32**
